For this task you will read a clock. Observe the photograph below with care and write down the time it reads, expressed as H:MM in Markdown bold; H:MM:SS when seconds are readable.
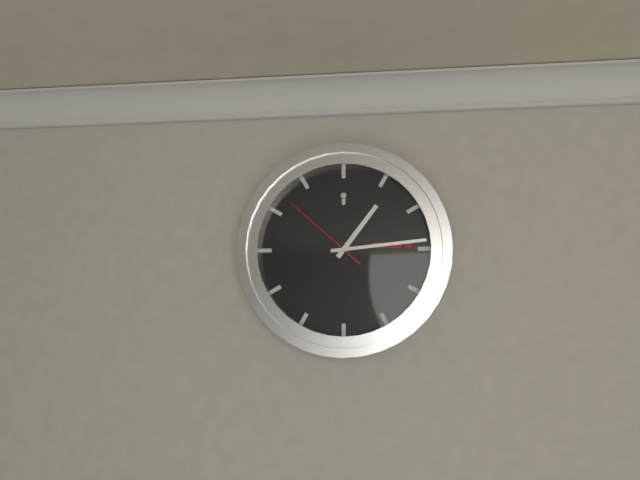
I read **1:14:52**
